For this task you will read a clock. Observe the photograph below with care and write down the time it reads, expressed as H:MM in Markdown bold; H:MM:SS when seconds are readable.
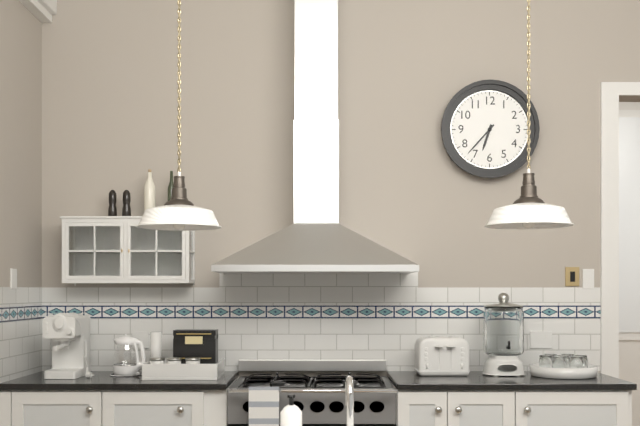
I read **6:37**
